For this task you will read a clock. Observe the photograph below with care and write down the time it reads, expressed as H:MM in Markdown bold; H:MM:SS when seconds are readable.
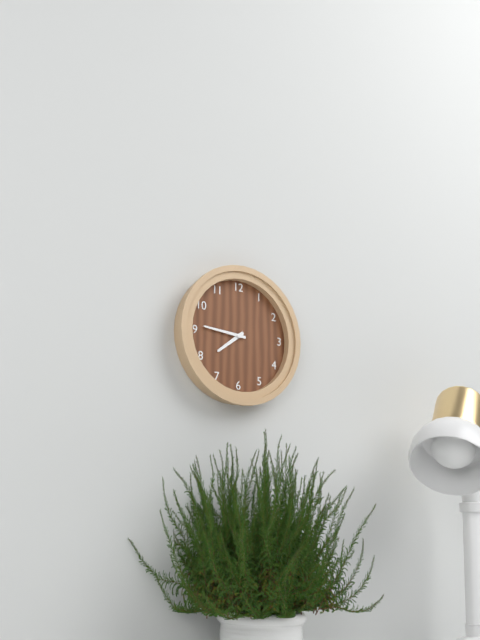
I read **7:46**
